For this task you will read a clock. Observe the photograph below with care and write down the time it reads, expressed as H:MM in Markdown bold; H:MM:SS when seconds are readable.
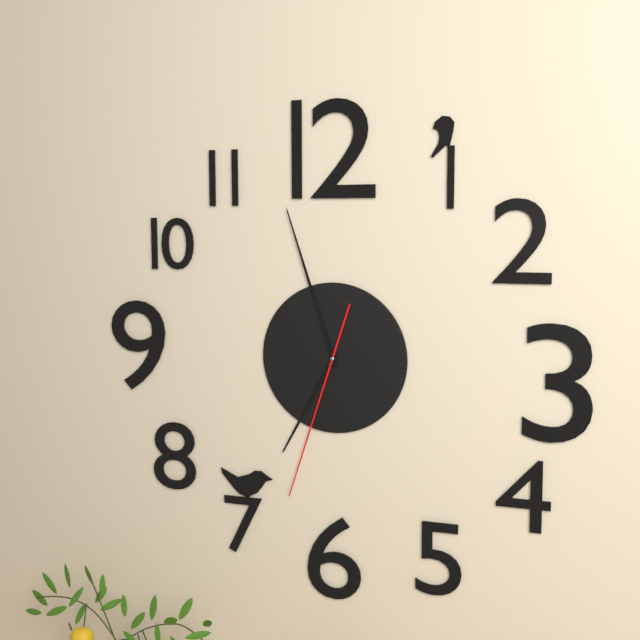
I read **6:57:33**
